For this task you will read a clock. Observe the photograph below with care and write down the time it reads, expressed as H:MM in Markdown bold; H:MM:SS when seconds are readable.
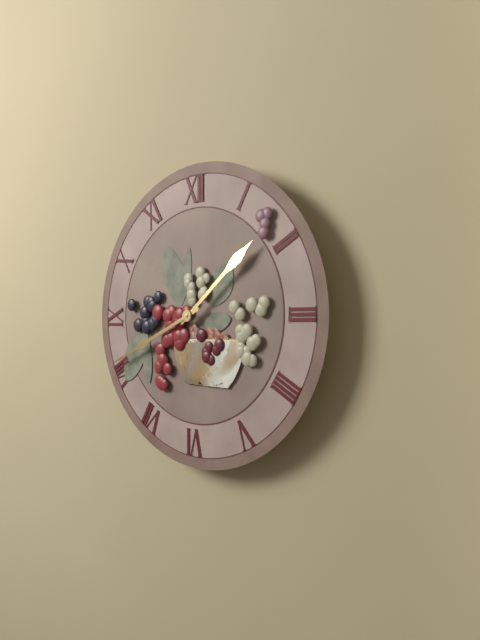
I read **1:41**
